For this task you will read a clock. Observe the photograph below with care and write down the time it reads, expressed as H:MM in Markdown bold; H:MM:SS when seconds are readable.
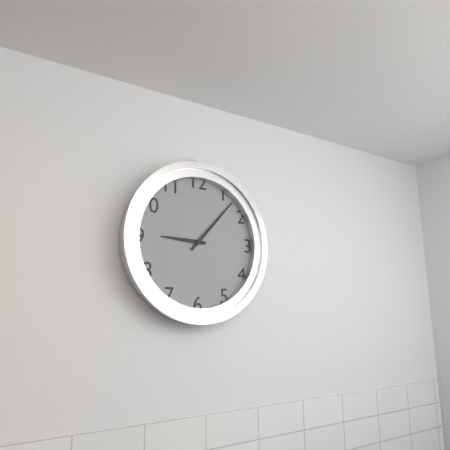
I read **9:07**
